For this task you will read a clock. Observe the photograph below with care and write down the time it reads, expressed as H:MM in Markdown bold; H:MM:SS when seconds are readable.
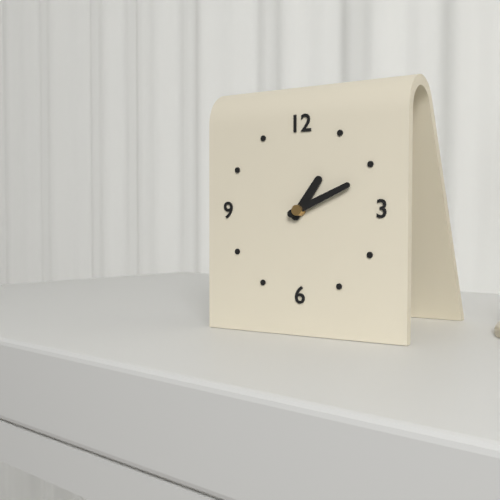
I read **1:11**
